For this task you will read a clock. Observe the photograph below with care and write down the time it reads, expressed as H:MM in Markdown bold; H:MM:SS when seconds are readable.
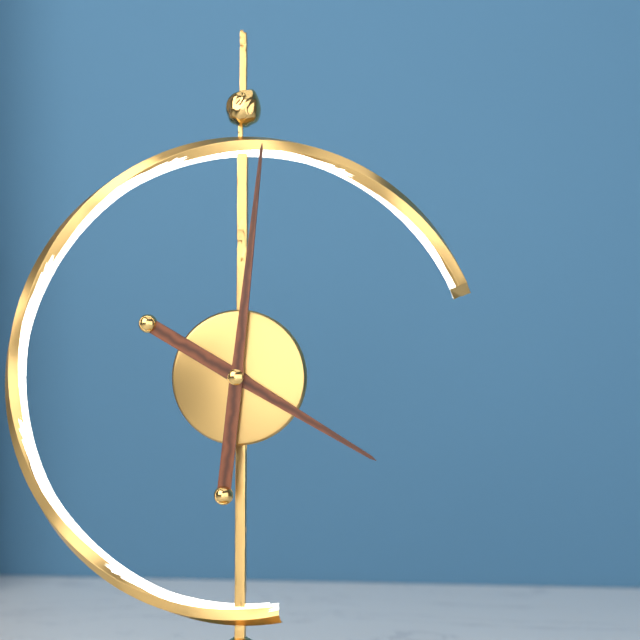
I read **4:01**
